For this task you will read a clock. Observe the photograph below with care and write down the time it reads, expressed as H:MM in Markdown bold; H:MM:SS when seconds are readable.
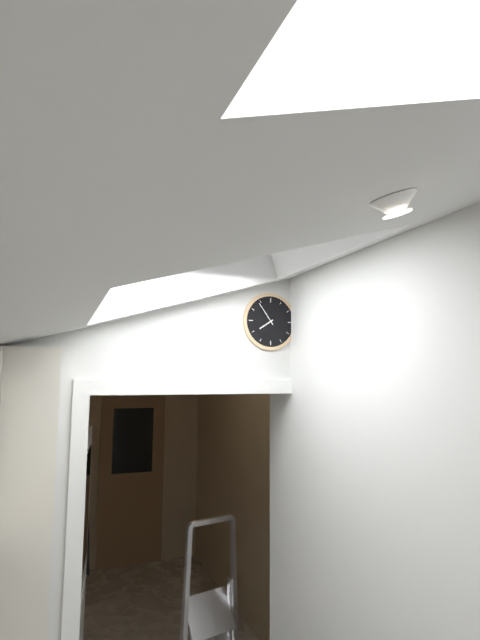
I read **7:54**
